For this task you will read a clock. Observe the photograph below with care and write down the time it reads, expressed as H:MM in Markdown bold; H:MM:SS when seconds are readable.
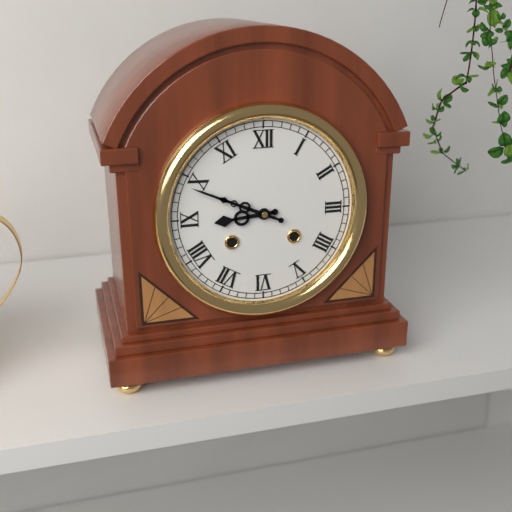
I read **8:49**
